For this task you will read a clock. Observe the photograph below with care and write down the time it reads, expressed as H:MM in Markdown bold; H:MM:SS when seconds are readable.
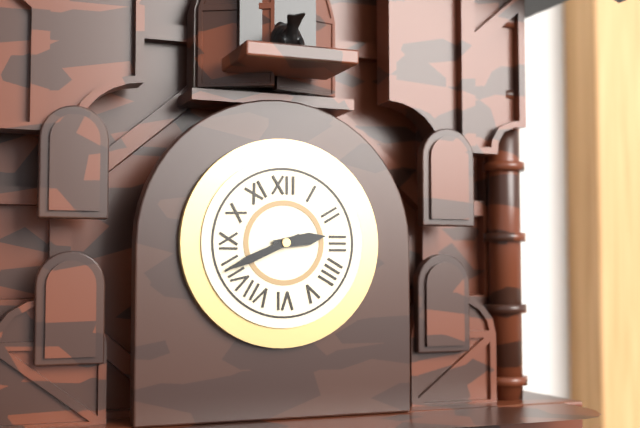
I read **2:41**
